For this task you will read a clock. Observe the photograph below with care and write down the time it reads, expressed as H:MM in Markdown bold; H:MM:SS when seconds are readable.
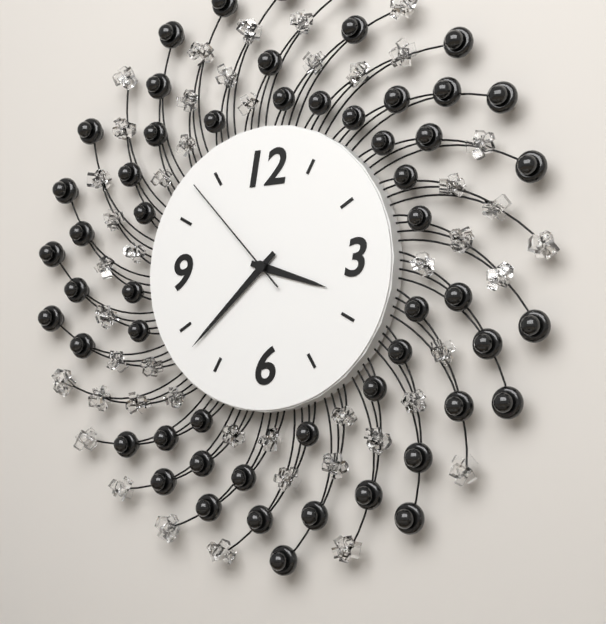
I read **3:38:53**
